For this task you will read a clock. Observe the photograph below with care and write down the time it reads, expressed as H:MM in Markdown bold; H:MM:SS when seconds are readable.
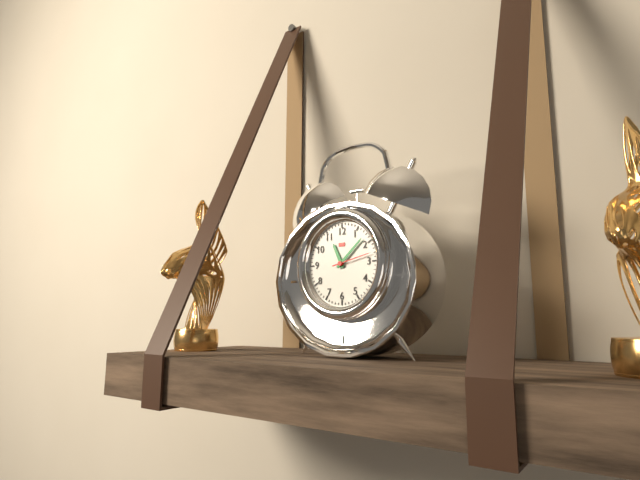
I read **11:08**
